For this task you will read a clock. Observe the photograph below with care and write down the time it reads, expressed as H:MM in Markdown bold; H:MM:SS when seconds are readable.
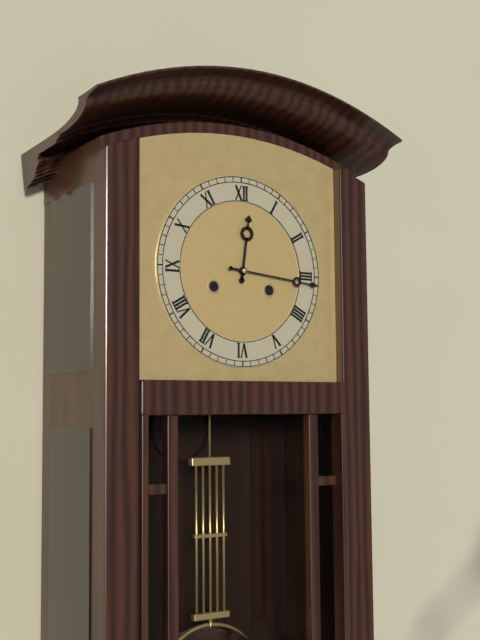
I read **12:16**
